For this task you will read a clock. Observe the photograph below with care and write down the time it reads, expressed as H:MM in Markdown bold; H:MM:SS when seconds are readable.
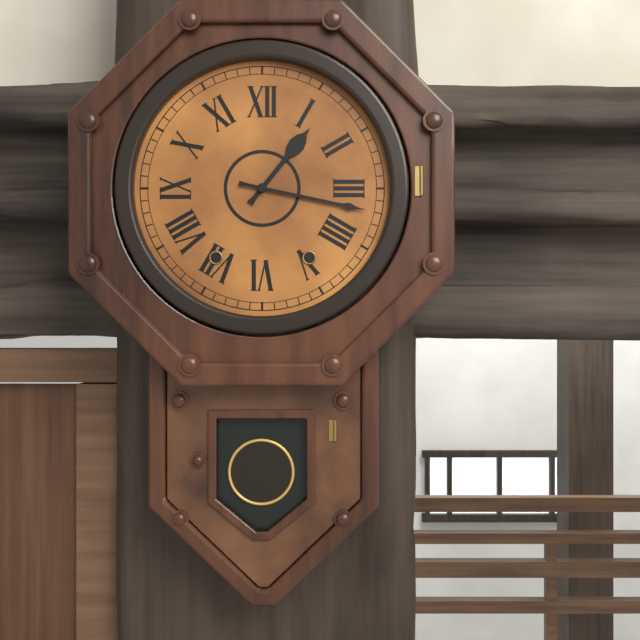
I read **1:17**
